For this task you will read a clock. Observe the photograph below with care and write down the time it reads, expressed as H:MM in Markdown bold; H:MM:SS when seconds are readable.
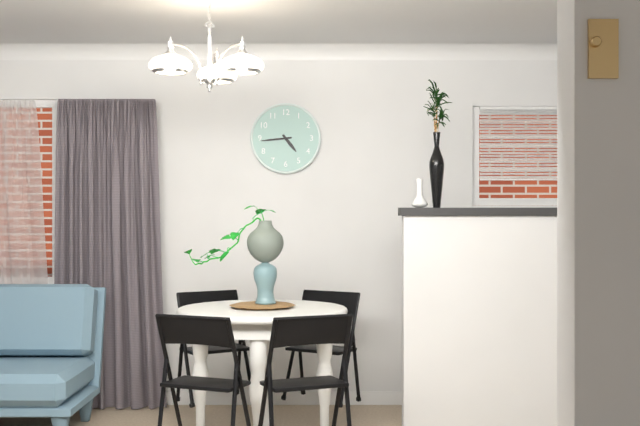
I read **4:44**
